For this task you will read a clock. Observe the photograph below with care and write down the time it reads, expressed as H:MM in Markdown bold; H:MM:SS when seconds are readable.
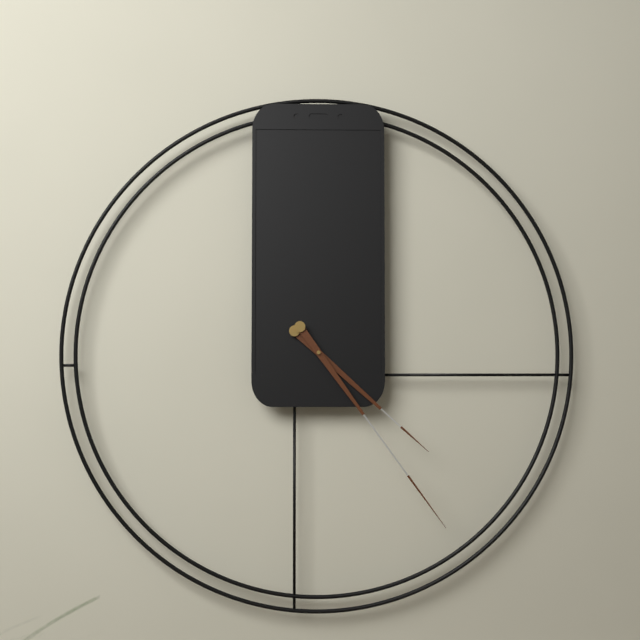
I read **4:24**
